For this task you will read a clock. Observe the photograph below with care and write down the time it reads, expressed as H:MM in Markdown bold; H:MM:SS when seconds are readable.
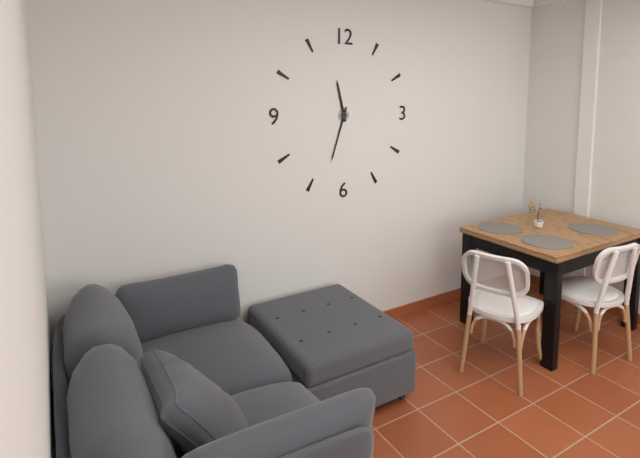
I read **11:33**
